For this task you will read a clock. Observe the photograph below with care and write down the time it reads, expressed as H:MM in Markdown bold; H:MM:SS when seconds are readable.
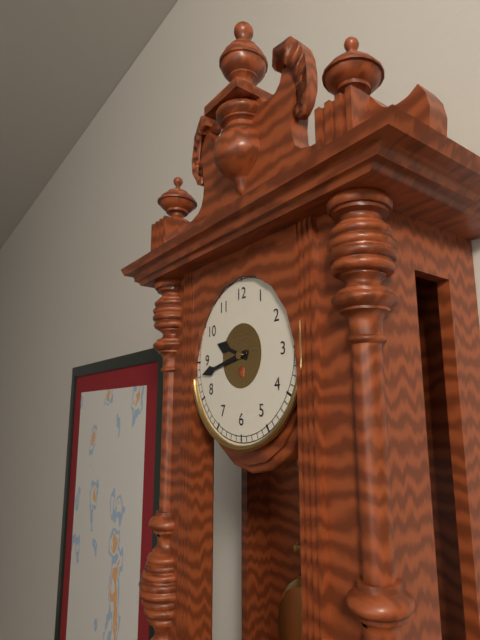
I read **9:43**
